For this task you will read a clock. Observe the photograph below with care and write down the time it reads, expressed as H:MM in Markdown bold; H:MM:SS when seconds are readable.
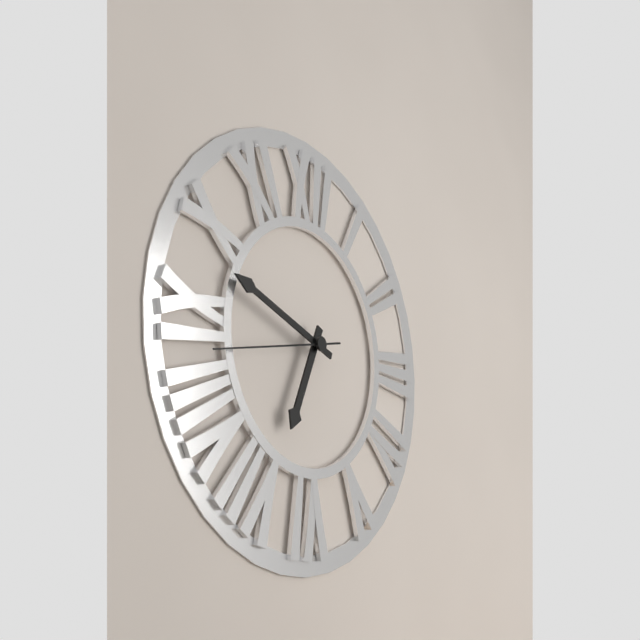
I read **6:48:43**
